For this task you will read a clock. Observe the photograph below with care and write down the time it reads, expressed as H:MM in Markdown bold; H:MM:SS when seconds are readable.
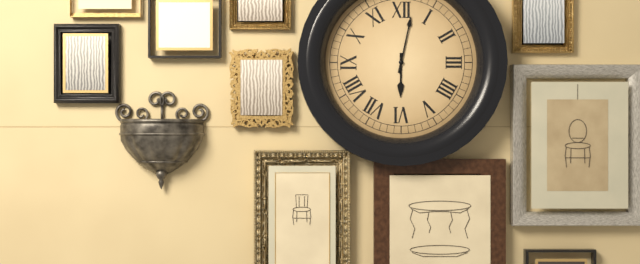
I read **6:02**
